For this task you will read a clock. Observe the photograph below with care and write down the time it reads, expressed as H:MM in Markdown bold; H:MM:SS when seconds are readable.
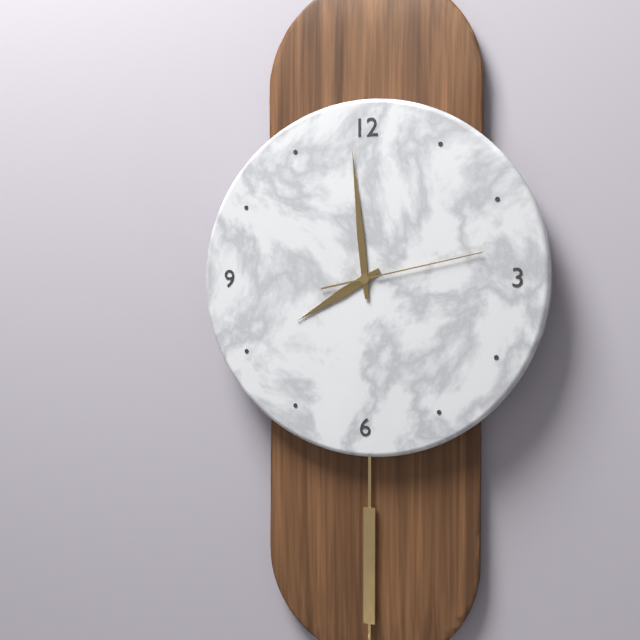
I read **7:59:13**
